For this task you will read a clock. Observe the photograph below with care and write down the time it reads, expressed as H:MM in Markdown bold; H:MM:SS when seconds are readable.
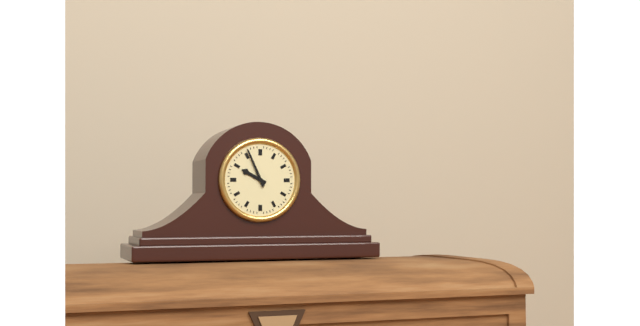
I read **9:56**
